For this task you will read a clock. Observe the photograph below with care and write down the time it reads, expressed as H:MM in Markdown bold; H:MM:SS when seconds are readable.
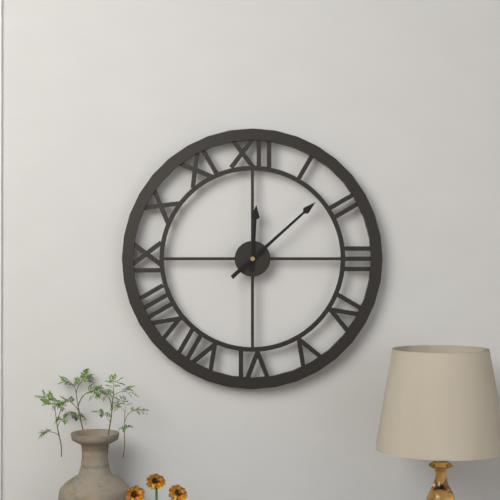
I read **12:08**
